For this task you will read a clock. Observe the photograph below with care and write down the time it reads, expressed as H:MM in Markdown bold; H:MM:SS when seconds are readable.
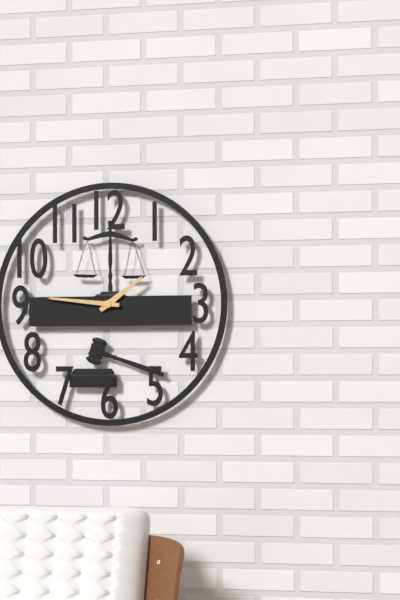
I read **1:46**
